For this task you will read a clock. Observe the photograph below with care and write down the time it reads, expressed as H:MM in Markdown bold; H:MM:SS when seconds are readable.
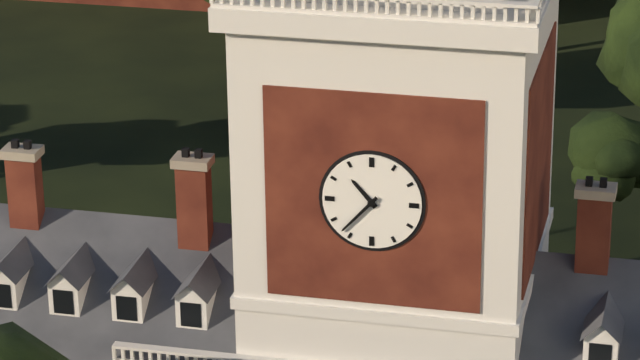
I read **10:37**
